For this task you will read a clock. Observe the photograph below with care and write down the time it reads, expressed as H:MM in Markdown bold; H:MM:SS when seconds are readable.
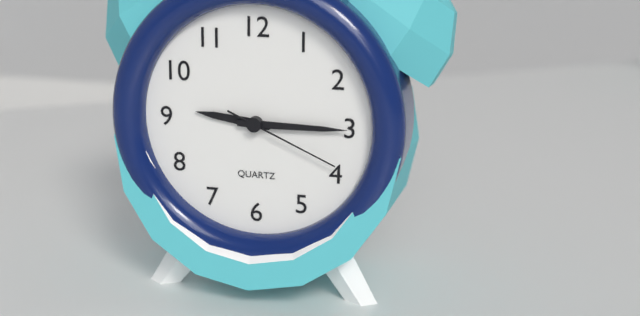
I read **9:15:19**
